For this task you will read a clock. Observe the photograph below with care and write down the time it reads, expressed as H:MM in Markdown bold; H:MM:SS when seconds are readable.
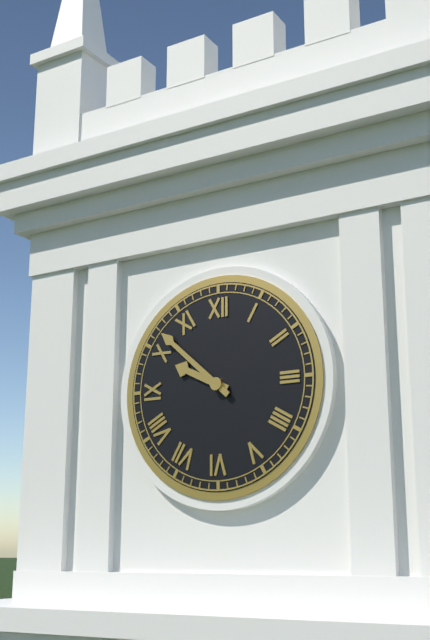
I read **9:52**
